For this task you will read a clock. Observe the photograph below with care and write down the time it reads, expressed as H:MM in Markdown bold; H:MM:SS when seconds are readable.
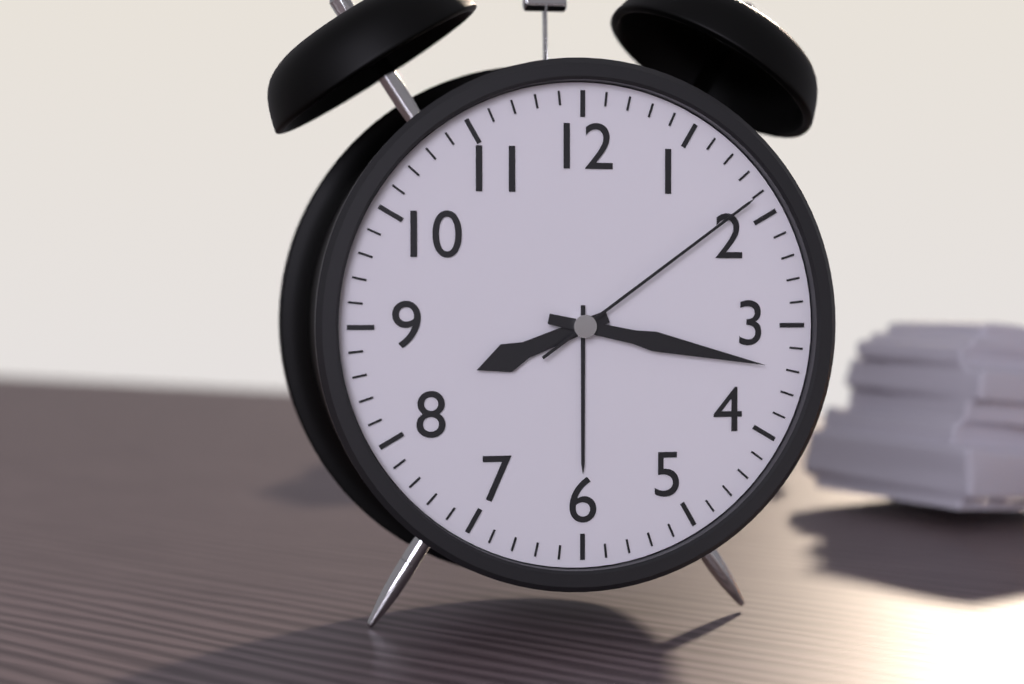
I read **8:17:09**
